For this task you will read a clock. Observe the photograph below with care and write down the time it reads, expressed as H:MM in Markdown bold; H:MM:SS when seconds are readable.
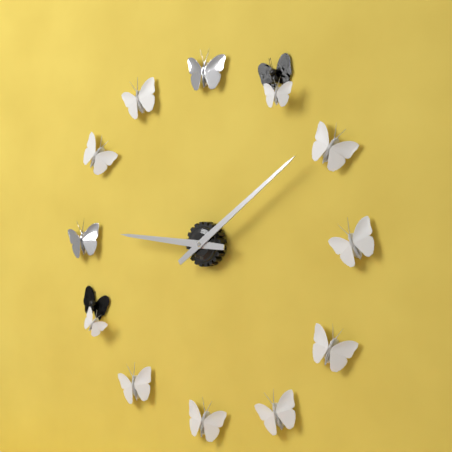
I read **9:09**
